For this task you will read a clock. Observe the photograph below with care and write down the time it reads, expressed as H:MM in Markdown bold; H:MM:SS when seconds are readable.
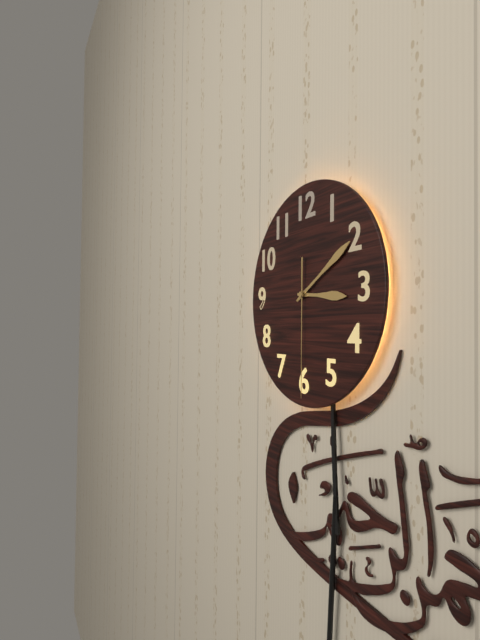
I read **3:10:30**
